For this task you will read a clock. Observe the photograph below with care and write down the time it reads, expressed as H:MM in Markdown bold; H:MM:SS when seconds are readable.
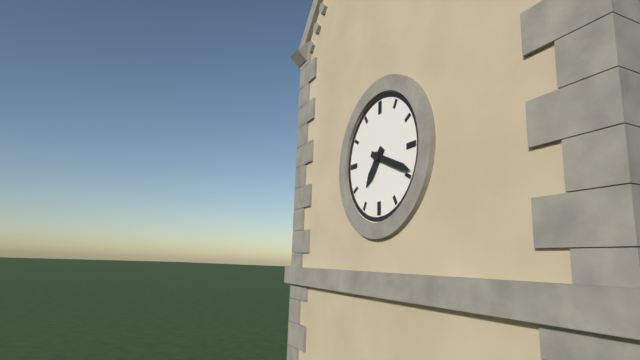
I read **7:19**
